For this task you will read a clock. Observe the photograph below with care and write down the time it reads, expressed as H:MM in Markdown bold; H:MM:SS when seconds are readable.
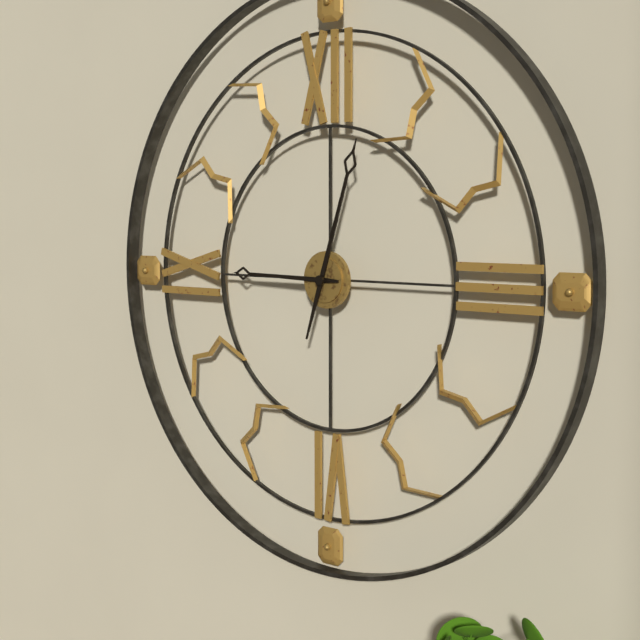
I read **9:03**
